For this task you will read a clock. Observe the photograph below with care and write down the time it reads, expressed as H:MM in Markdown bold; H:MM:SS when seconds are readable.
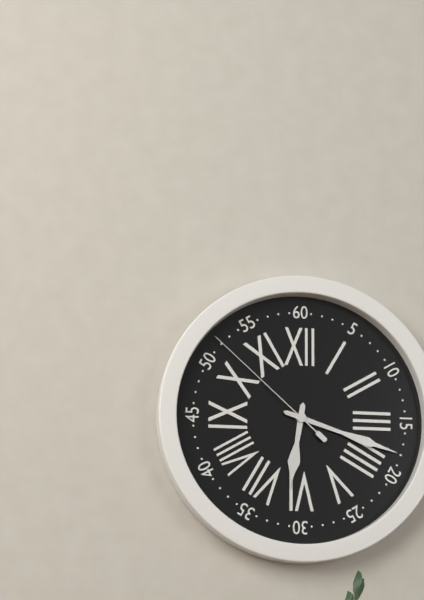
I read **6:18:52**
